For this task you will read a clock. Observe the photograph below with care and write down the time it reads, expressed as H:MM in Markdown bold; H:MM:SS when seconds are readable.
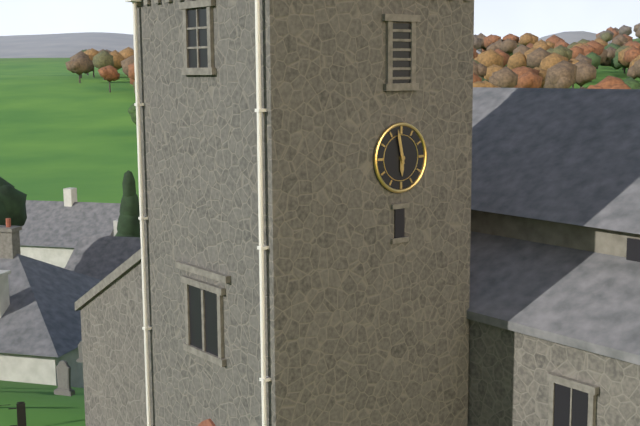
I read **5:58**
